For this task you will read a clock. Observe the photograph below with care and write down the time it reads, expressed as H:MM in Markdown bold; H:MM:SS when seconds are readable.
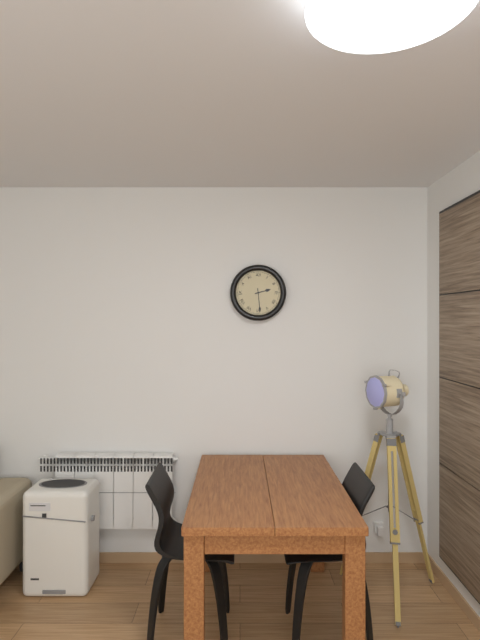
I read **2:29**
